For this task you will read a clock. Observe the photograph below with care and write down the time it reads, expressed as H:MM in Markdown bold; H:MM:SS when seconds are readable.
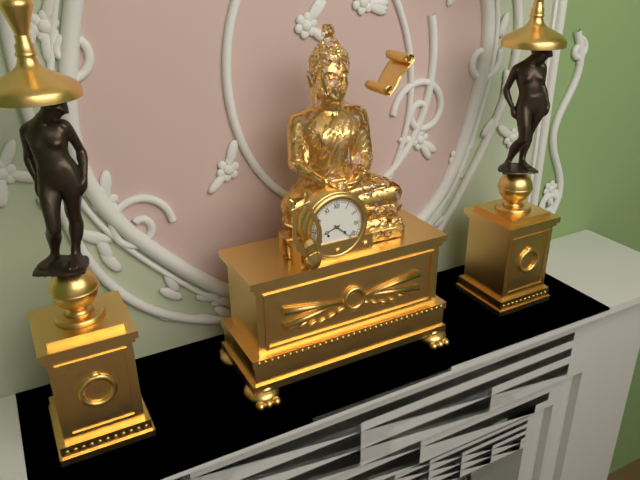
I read **8:22**
